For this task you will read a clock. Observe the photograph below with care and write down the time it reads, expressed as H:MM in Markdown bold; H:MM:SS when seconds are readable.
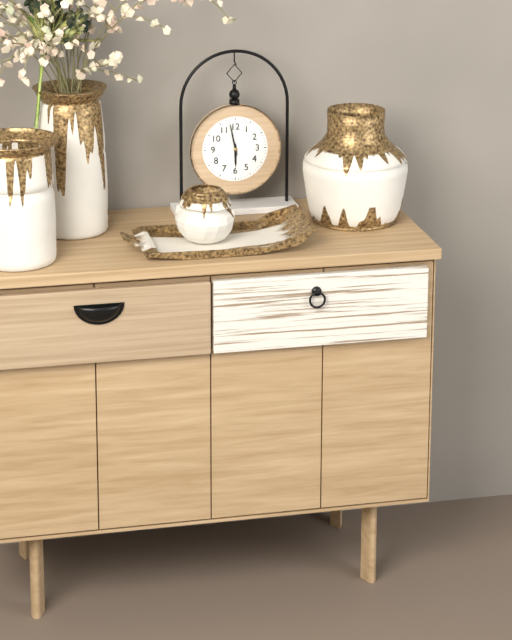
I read **5:58**
